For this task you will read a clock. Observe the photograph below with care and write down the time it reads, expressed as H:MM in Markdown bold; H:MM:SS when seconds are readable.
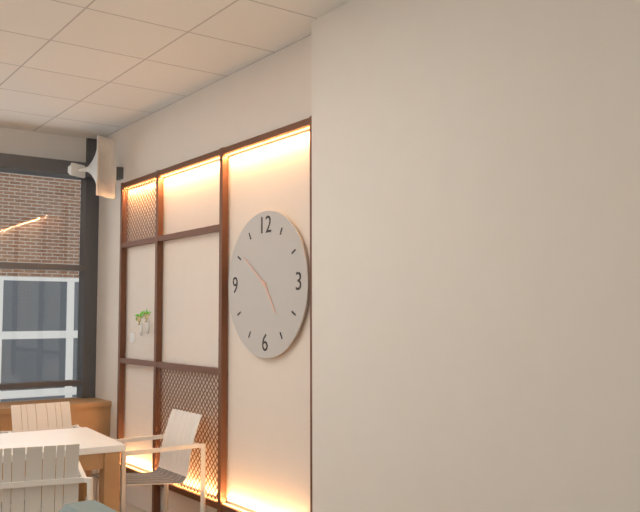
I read **4:51**
